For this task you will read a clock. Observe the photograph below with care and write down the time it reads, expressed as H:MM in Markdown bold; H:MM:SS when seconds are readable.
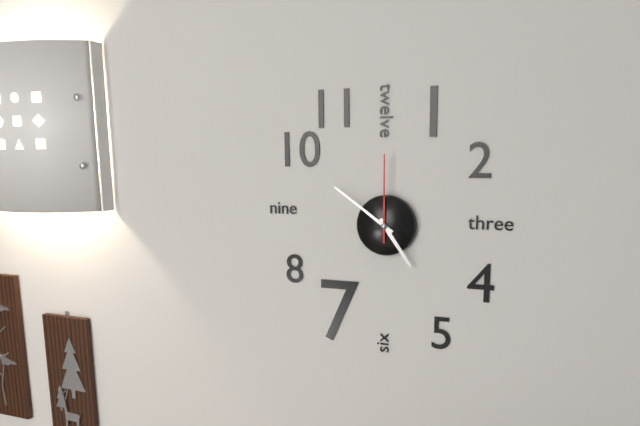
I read **4:51:00**
